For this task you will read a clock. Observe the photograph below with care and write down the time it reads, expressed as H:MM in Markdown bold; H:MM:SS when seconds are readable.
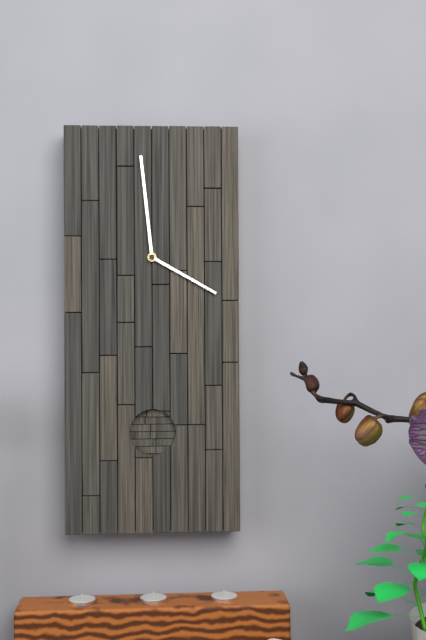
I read **3:59**
